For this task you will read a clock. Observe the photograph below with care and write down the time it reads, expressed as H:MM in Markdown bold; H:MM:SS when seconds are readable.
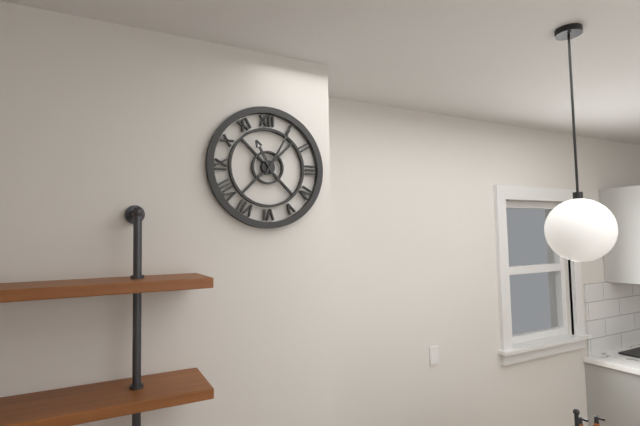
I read **11:05**
